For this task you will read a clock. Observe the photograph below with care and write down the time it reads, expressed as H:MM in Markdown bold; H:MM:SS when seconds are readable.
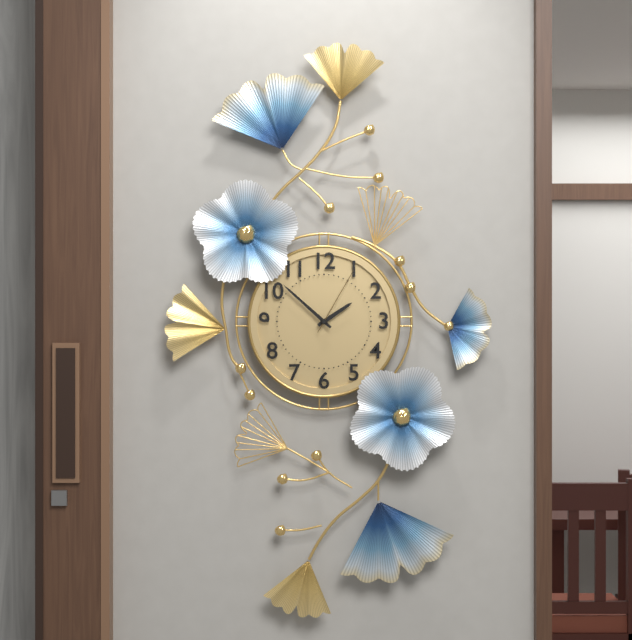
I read **1:52:05**
